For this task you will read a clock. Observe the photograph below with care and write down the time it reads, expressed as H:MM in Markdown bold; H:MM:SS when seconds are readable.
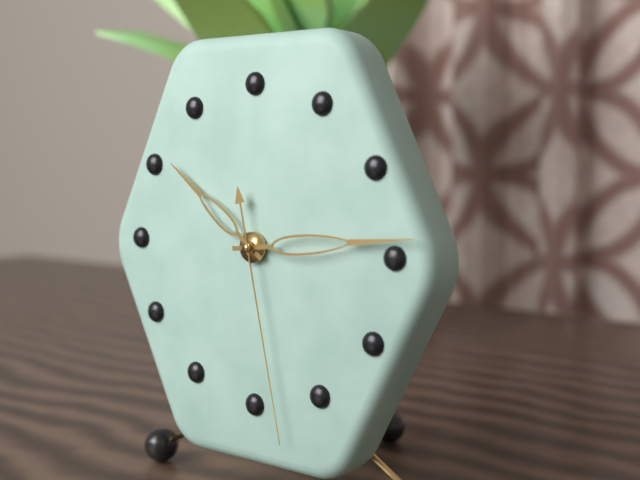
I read **10:14:28**
